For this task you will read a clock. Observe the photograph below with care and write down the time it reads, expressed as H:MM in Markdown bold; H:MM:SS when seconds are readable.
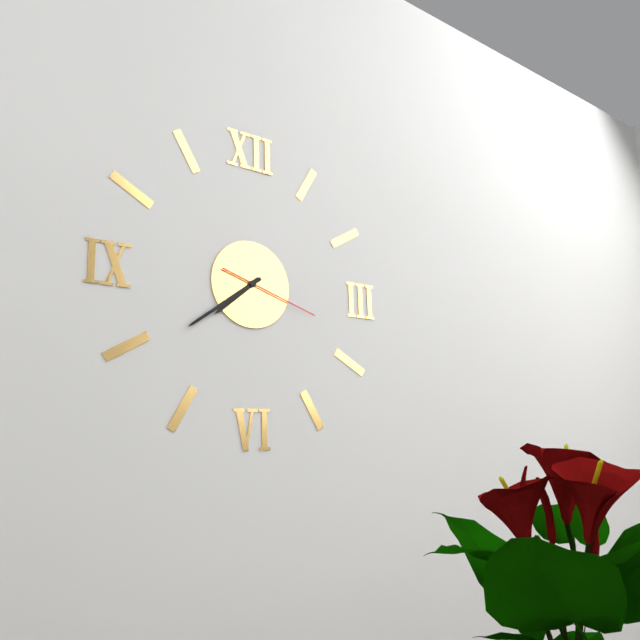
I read **7:39:18**
